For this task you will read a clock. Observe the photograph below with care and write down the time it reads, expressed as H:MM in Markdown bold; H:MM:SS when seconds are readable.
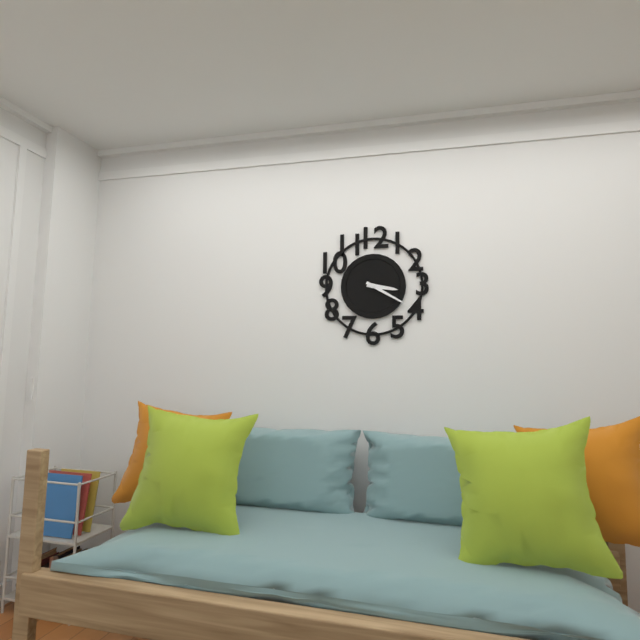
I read **3:20**
